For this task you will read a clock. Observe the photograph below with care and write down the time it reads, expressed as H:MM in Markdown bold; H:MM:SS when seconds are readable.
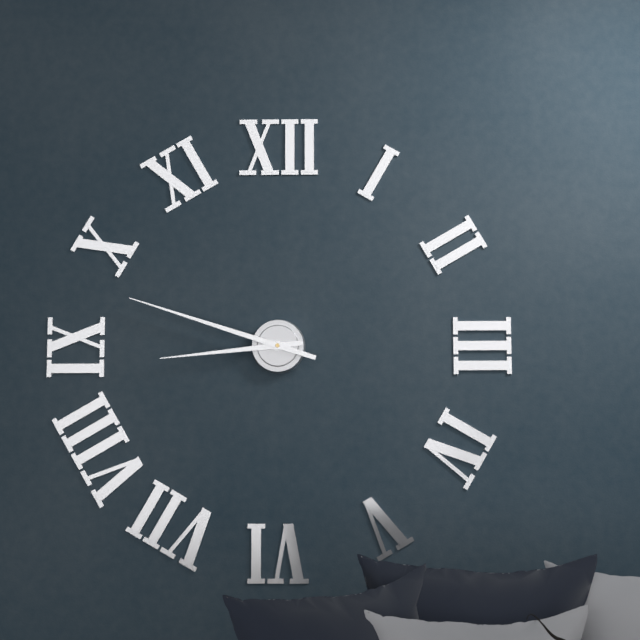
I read **8:48**
